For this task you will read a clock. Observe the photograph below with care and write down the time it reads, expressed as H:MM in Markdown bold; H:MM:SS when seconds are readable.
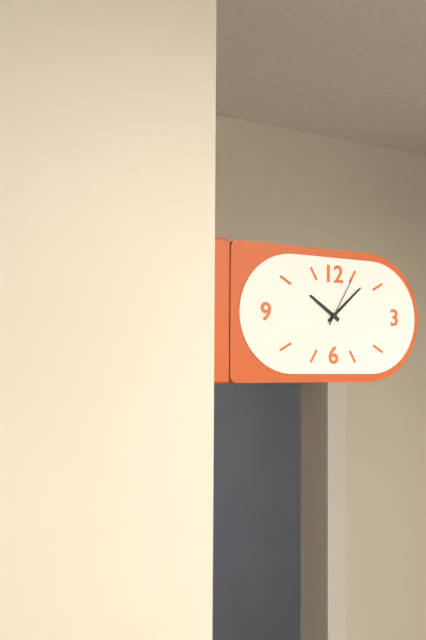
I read **10:08:05**
